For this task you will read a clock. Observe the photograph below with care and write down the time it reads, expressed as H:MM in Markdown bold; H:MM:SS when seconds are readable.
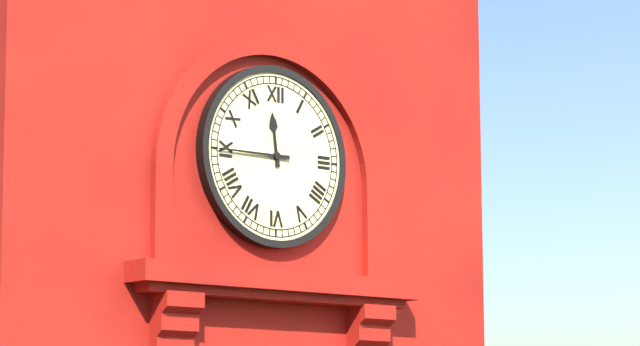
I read **11:45**
